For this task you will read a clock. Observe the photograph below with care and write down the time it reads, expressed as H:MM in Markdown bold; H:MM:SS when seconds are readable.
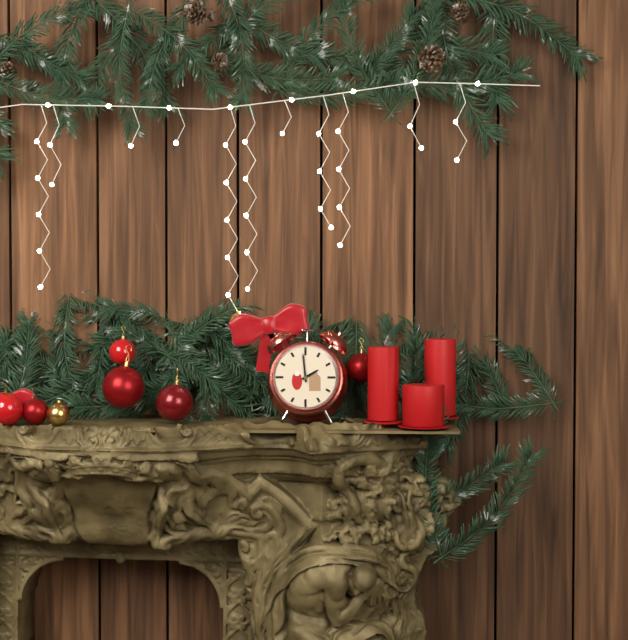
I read **1:59**
